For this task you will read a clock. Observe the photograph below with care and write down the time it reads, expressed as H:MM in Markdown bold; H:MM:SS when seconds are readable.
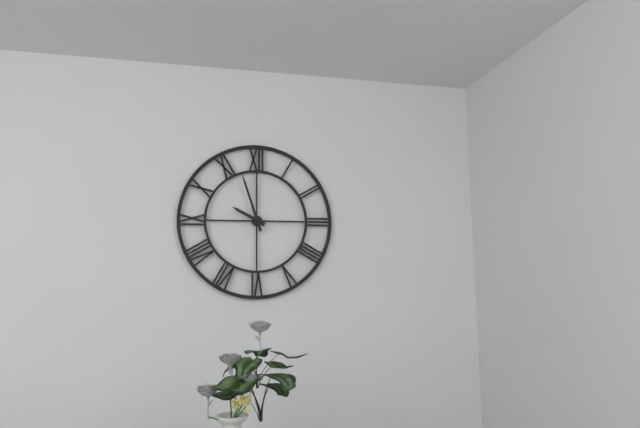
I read **9:57**
